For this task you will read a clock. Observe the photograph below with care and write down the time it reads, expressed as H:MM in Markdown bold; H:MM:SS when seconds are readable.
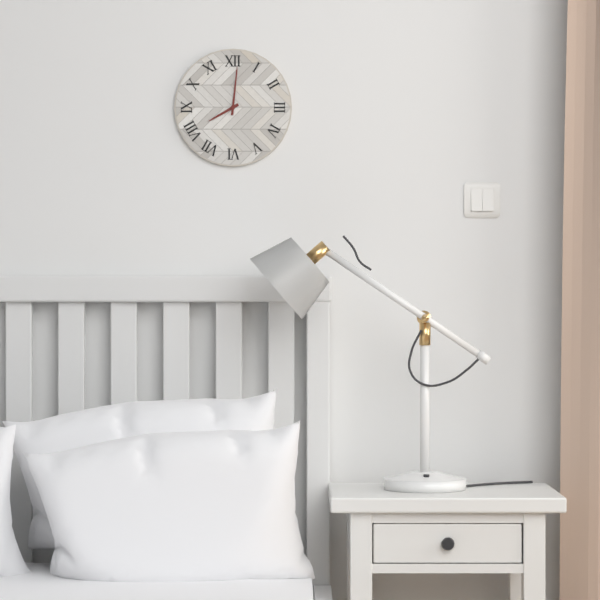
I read **8:01**
